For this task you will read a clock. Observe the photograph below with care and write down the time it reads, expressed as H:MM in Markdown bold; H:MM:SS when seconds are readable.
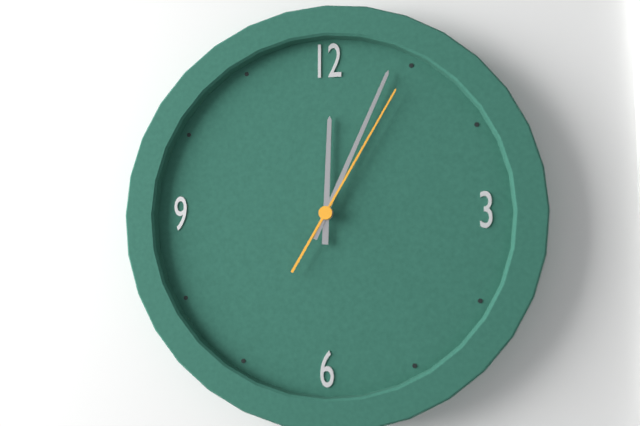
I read **12:04:05**
